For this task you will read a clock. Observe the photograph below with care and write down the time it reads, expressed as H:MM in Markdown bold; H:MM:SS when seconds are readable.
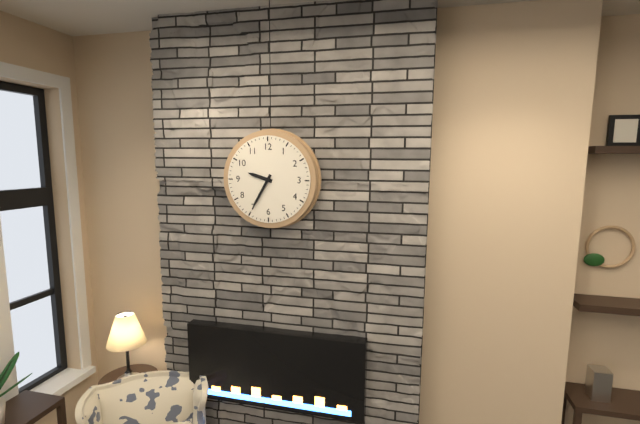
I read **9:35**
